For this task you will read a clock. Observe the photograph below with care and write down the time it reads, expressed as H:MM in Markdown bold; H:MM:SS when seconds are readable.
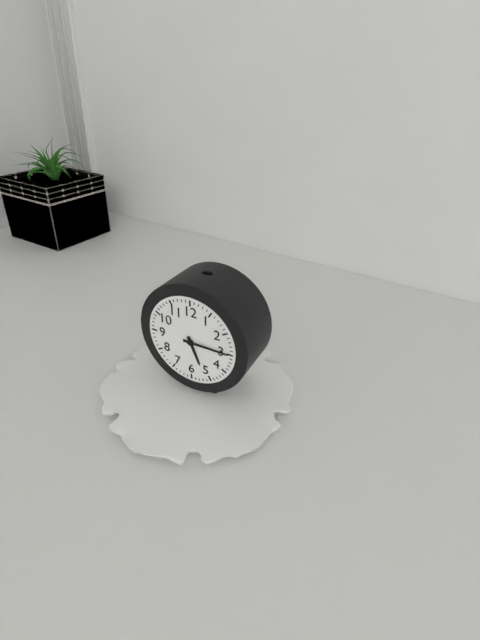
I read **5:15**
